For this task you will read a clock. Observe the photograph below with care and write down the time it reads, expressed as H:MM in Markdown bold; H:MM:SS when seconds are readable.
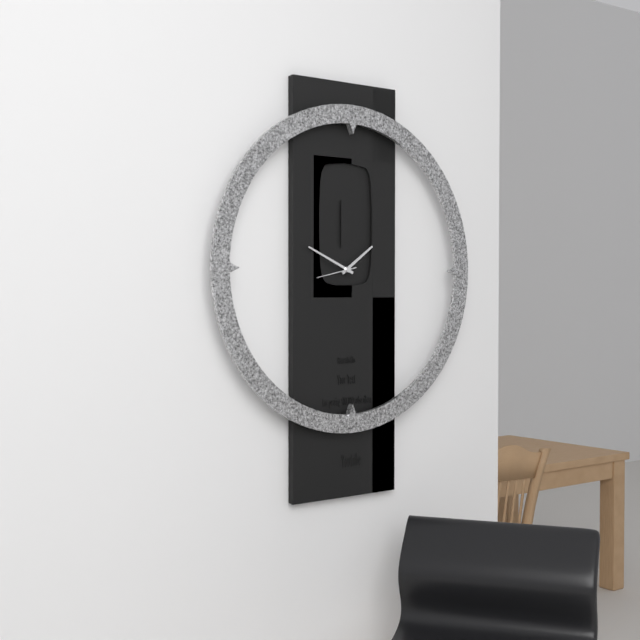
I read **1:49**
